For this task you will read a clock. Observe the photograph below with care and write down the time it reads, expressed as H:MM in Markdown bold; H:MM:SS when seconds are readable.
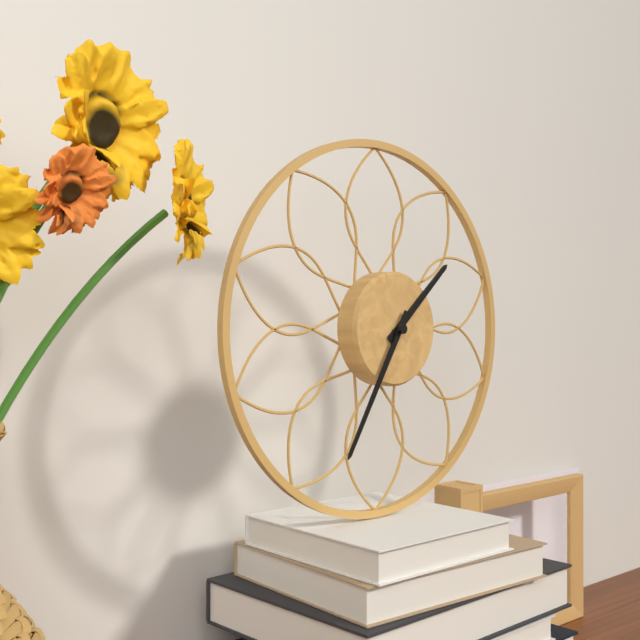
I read **1:35**
